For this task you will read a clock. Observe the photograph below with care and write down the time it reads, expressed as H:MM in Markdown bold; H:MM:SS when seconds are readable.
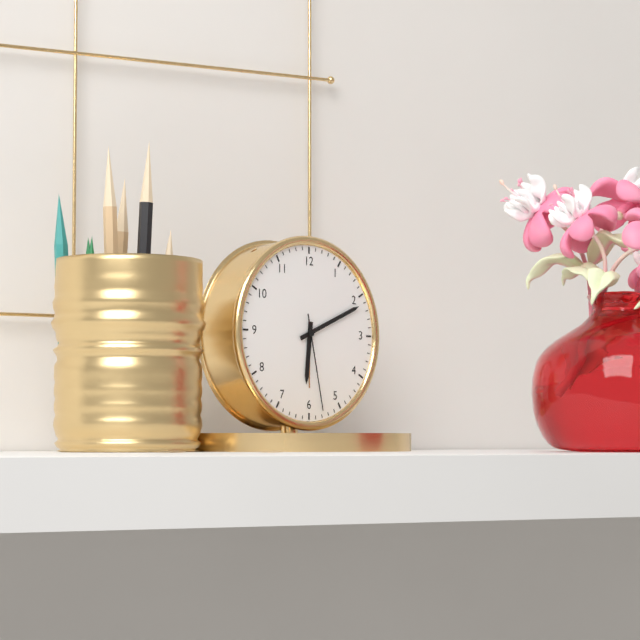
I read **6:11:28**
